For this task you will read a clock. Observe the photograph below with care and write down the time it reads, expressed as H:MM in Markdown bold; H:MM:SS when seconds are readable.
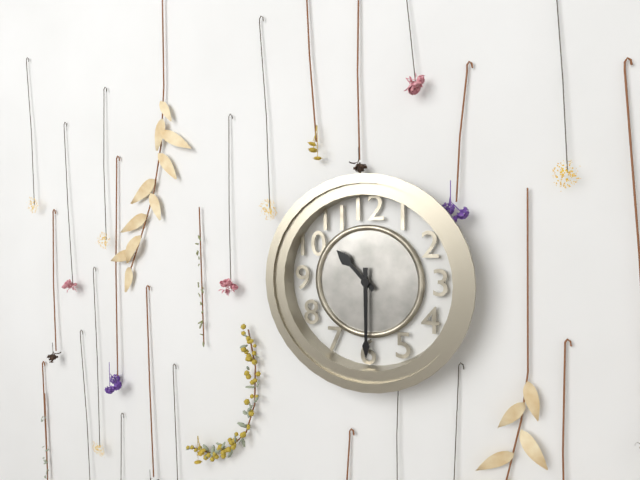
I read **10:30**
